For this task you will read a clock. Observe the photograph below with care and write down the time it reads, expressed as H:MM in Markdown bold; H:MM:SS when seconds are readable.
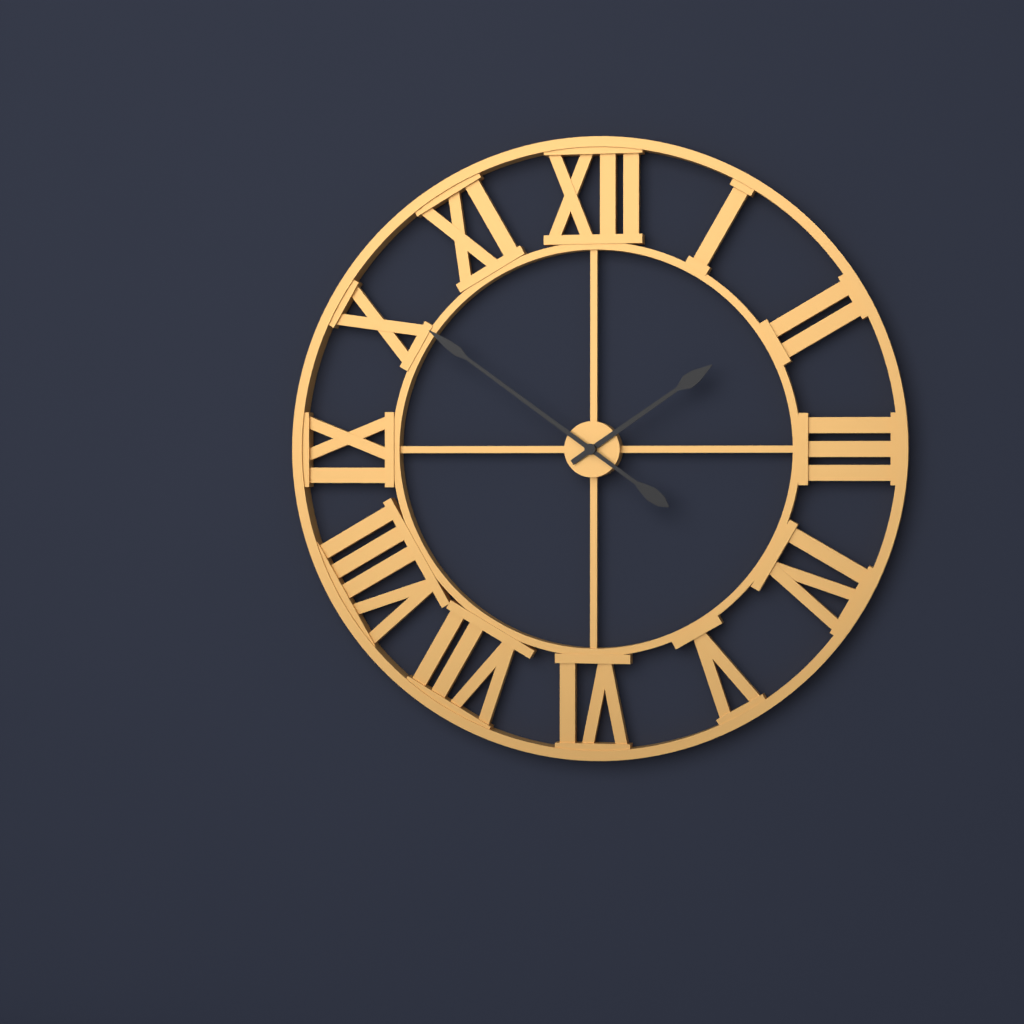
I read **1:51**
